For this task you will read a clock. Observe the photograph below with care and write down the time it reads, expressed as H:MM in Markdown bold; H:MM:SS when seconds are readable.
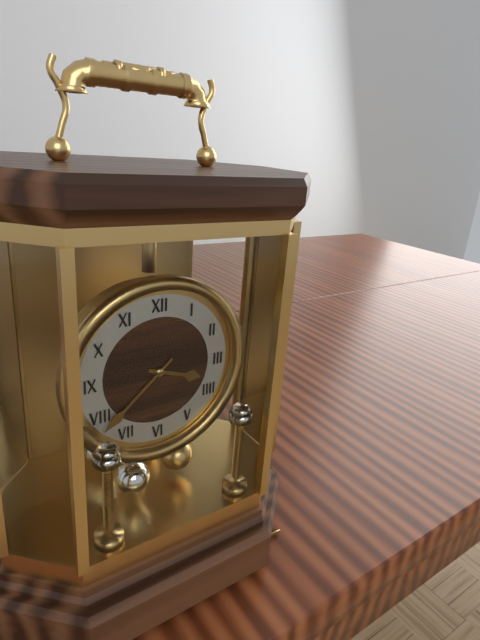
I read **3:38**
